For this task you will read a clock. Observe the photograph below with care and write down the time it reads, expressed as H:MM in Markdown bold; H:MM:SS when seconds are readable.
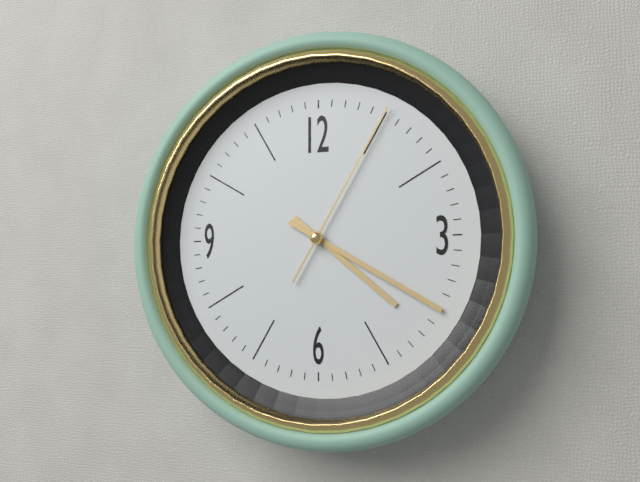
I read **4:20:05**
